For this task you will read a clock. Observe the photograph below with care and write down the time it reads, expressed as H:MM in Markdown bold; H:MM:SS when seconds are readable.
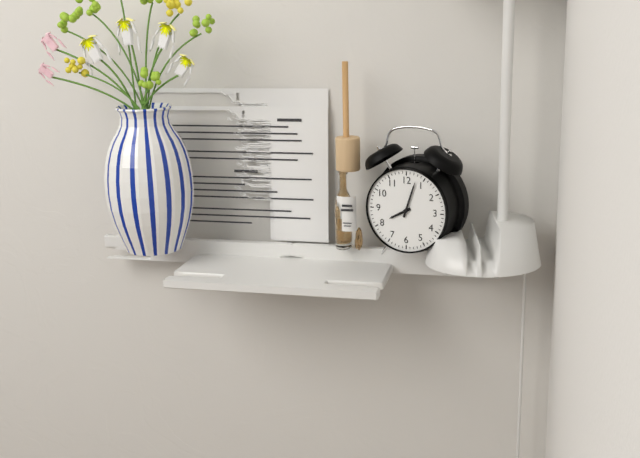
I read **8:03**
